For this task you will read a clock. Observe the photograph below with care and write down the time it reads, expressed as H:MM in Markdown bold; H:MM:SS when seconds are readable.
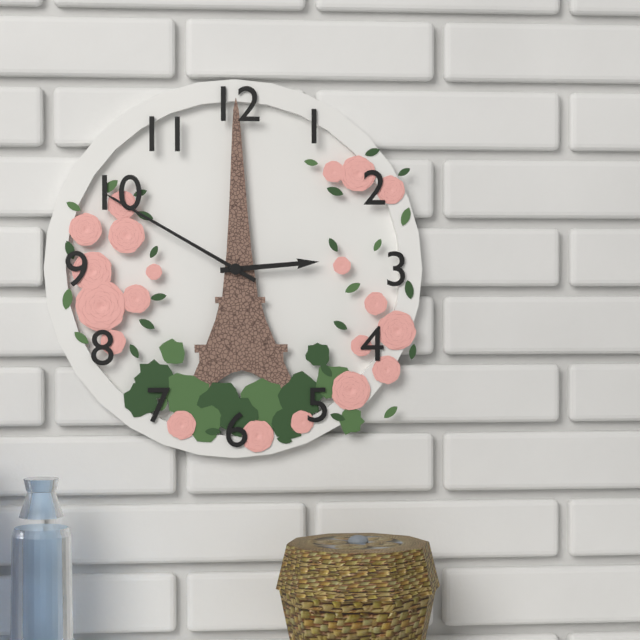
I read **2:50**
